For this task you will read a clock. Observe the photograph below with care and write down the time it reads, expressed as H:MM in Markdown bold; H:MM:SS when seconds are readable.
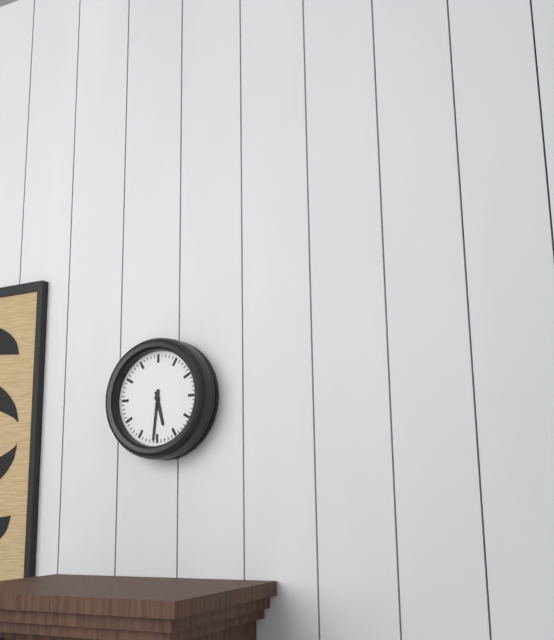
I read **5:31**
